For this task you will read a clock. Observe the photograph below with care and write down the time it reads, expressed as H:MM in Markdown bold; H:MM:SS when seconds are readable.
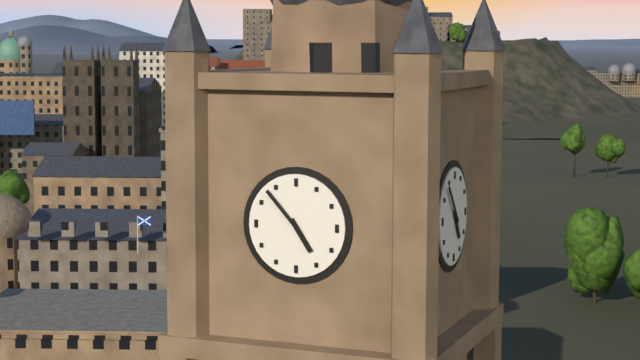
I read **4:53**
